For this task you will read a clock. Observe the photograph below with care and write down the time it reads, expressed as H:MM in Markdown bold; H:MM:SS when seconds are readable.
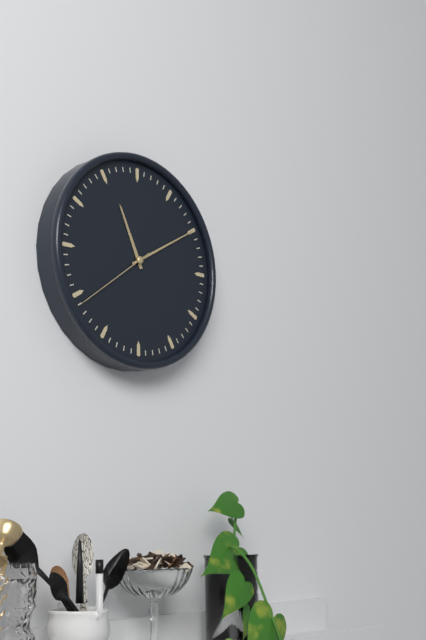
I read **11:10:39**
